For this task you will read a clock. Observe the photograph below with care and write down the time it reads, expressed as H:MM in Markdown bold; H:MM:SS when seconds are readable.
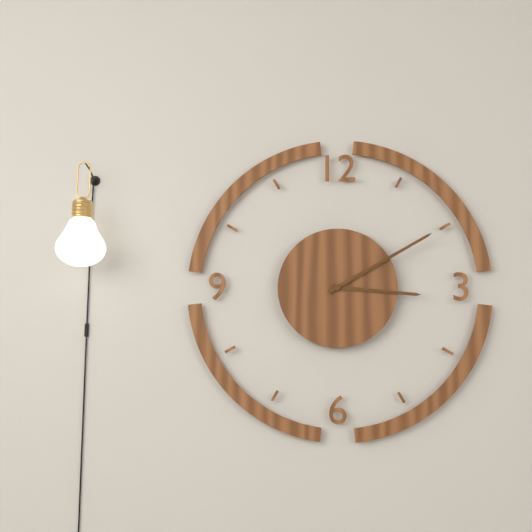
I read **3:10**
